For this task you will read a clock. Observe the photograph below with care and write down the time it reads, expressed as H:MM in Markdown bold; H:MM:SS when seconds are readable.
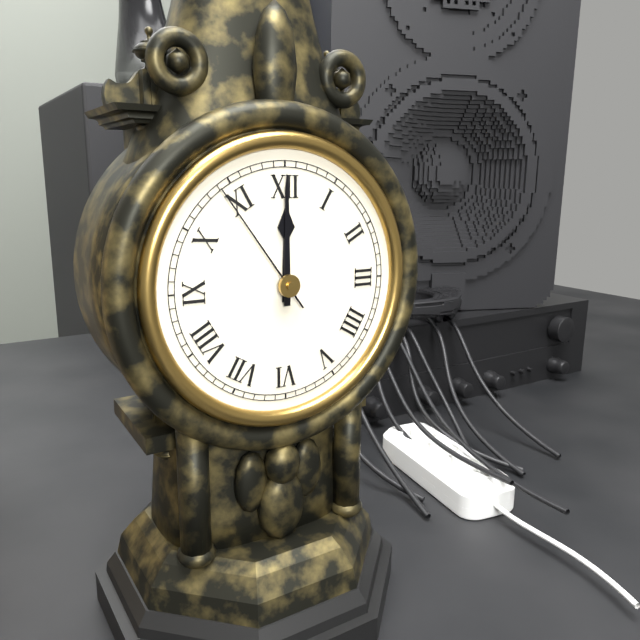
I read **12:00:54**
